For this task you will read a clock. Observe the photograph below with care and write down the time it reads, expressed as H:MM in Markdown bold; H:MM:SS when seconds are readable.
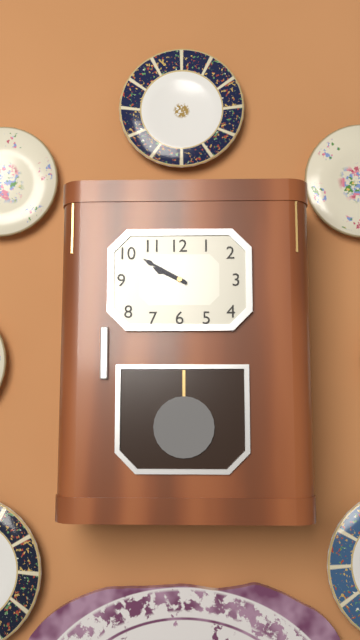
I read **9:50**
